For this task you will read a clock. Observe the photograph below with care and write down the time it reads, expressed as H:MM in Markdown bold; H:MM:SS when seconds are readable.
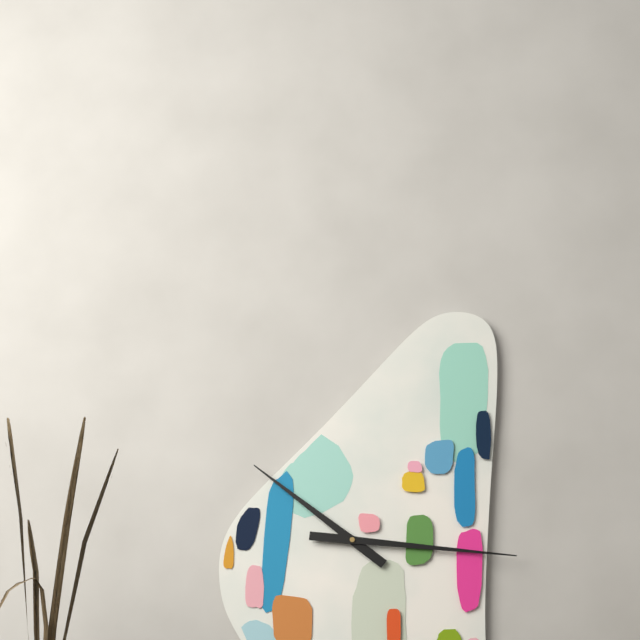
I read **10:16**
